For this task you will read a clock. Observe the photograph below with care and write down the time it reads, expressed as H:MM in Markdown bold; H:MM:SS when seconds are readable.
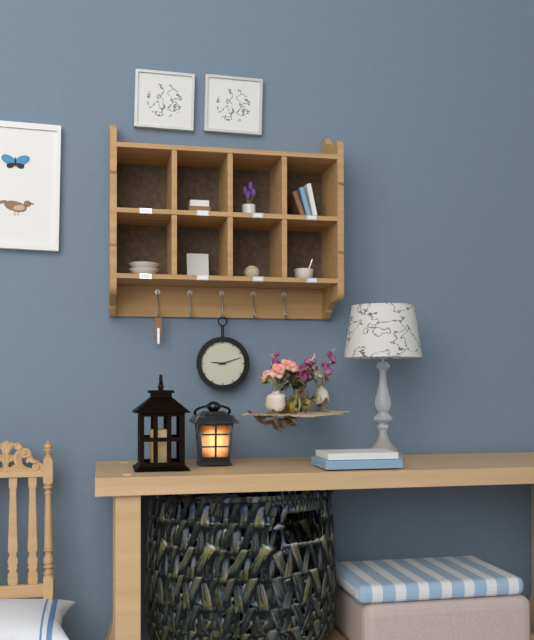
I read **9:12**
